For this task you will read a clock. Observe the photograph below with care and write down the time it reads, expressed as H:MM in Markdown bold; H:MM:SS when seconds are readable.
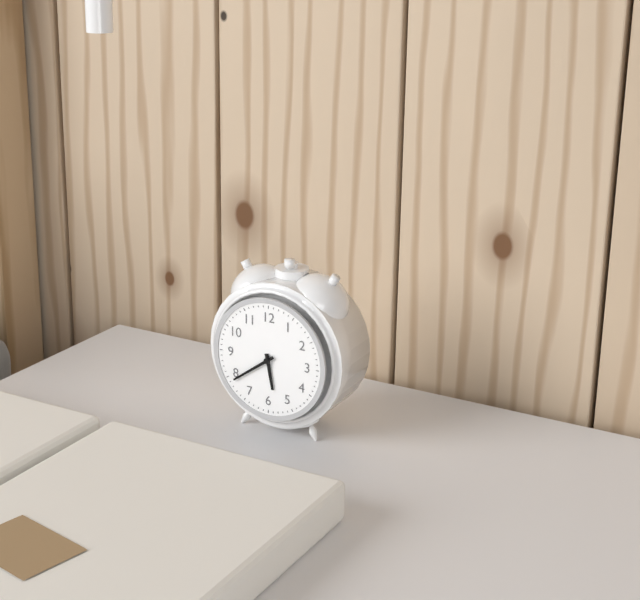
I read **5:39**
